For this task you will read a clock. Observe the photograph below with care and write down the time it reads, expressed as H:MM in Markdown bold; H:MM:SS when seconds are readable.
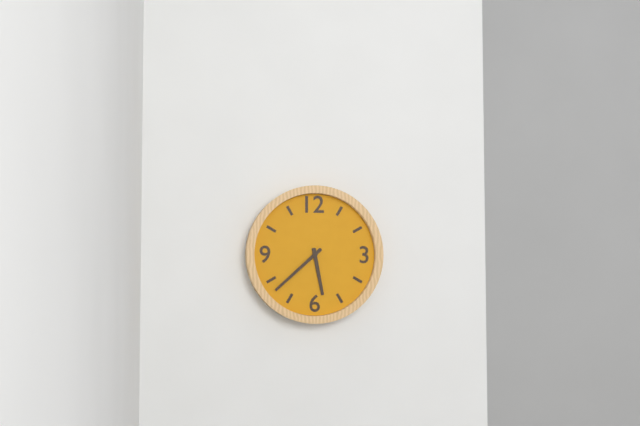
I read **5:38**
